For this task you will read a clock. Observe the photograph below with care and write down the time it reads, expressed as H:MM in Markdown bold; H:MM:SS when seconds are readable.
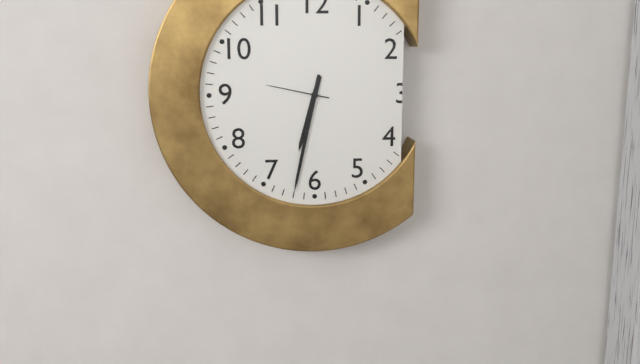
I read **6:32:47**
